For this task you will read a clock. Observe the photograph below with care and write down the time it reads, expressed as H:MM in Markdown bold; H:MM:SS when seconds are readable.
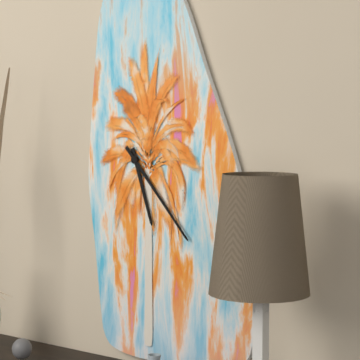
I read **5:23**
